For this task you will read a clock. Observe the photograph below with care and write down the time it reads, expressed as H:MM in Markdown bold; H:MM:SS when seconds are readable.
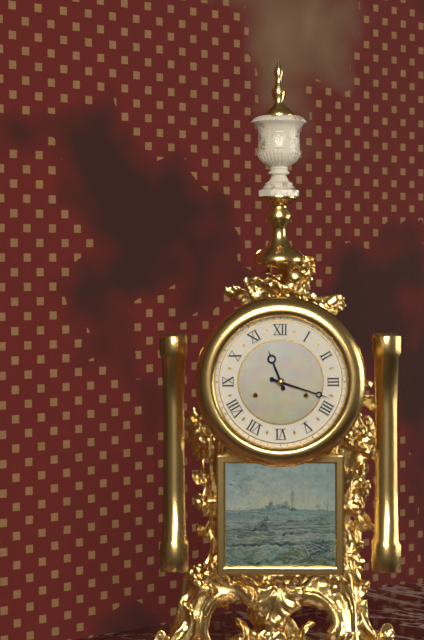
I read **11:18**
